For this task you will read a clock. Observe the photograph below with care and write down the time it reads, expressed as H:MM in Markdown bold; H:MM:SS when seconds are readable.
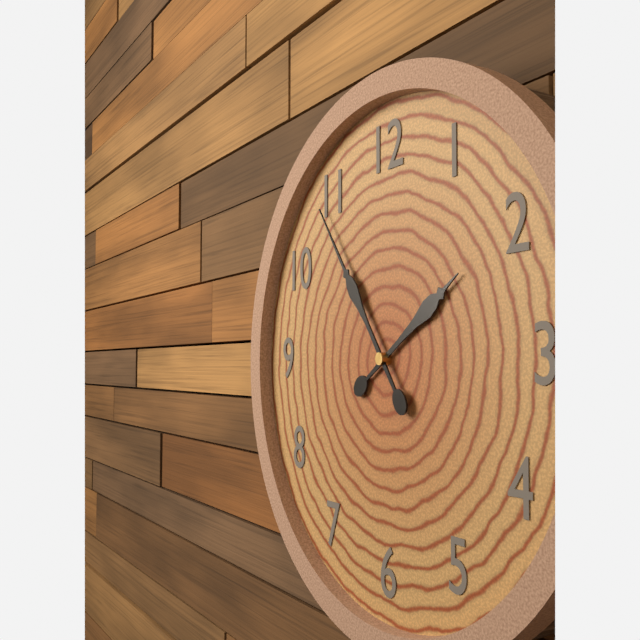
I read **1:54**
